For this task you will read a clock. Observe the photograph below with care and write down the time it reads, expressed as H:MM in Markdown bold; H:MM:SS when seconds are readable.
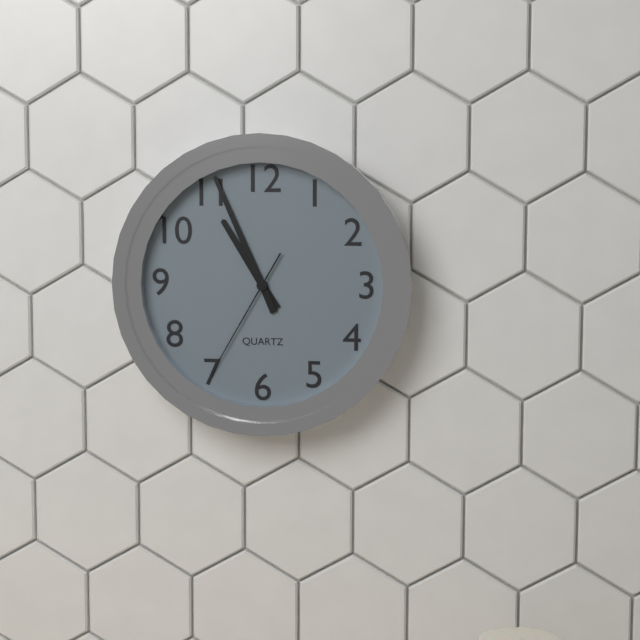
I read **10:56:35**
